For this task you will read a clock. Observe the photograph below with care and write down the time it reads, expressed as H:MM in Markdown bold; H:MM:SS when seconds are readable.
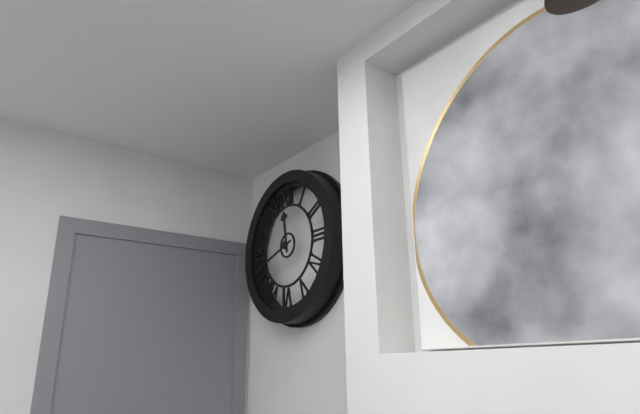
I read **11:42**
